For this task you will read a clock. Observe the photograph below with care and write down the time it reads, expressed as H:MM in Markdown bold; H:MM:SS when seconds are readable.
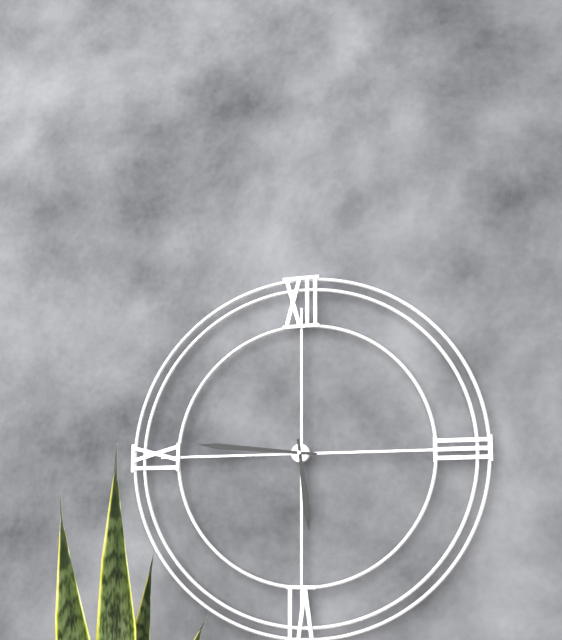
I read **5:46**
